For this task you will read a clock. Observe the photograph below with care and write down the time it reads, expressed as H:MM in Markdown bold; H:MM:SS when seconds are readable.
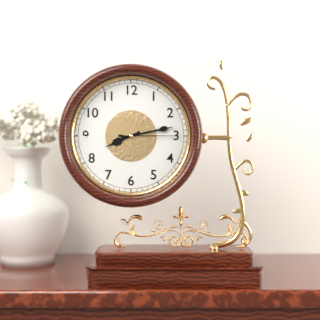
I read **8:13:15**
